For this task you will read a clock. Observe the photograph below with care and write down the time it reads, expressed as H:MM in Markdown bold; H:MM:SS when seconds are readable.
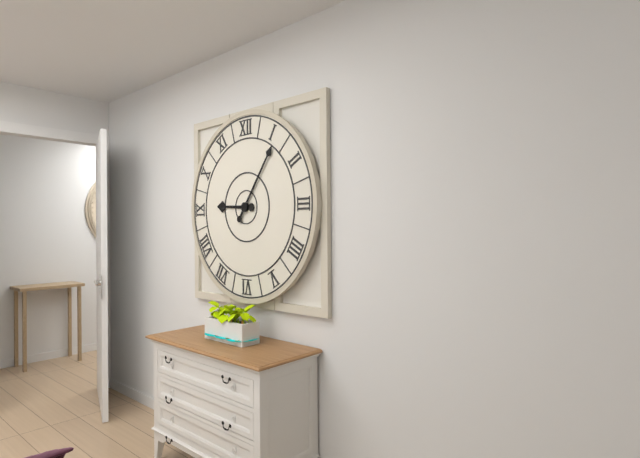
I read **9:06**
